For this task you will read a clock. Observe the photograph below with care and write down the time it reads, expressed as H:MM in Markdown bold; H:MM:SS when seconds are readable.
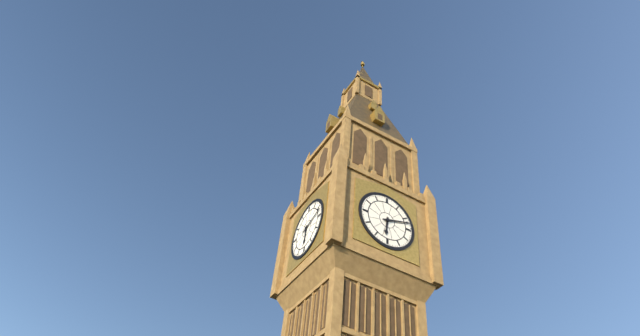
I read **6:12**
